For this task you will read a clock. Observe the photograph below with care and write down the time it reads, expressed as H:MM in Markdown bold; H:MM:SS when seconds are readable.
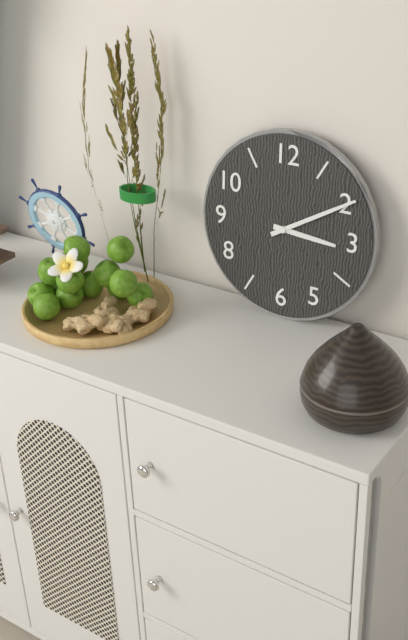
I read **3:10**
